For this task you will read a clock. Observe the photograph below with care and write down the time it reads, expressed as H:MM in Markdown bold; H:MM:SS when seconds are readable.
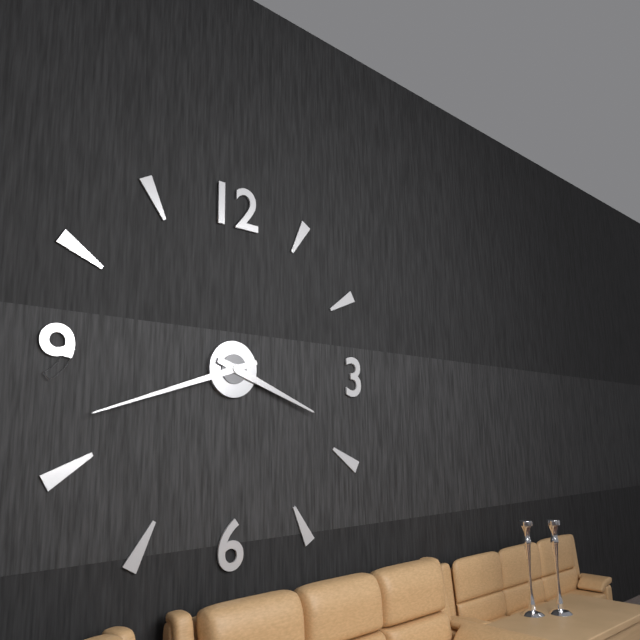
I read **3:42**
